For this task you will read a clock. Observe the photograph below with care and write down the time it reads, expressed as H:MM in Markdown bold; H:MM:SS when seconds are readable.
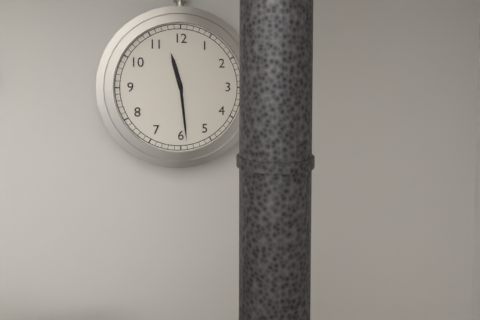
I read **11:29**
